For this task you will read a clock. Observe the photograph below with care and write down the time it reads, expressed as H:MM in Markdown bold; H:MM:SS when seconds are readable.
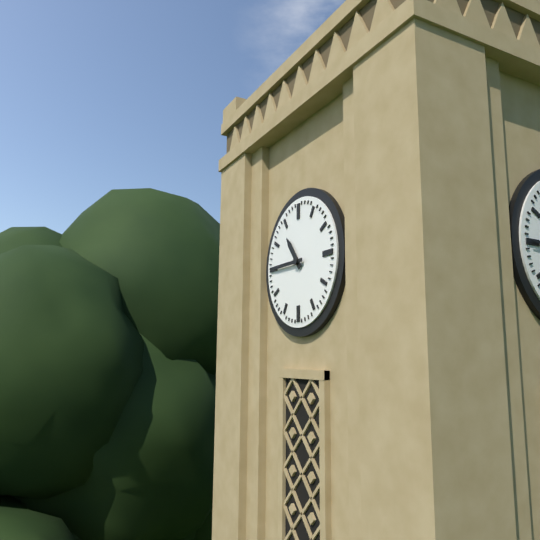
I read **10:45**
